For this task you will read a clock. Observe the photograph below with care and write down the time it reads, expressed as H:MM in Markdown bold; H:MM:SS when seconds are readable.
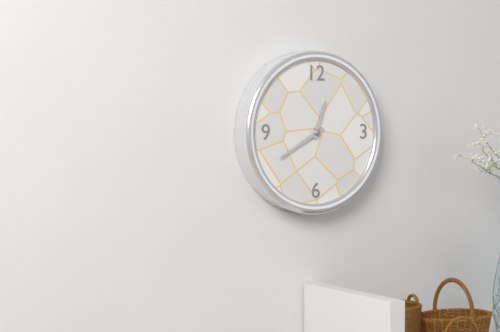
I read **12:40**
